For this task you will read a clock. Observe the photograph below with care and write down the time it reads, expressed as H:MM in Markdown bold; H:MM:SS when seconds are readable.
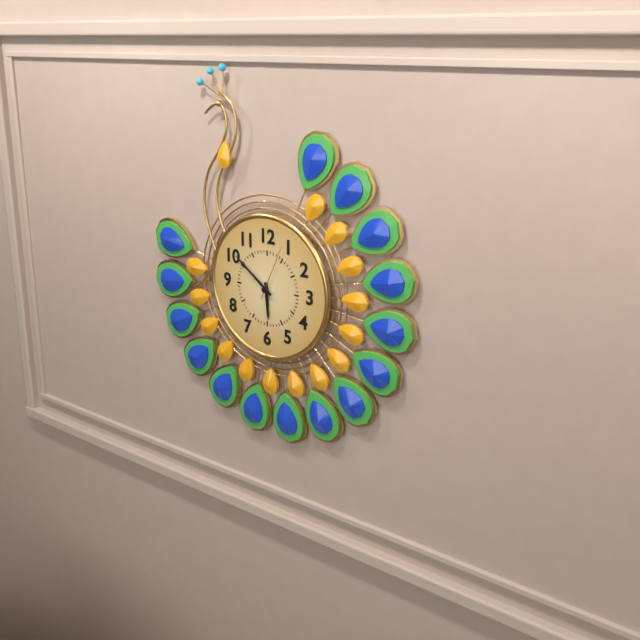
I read **5:51:04**
